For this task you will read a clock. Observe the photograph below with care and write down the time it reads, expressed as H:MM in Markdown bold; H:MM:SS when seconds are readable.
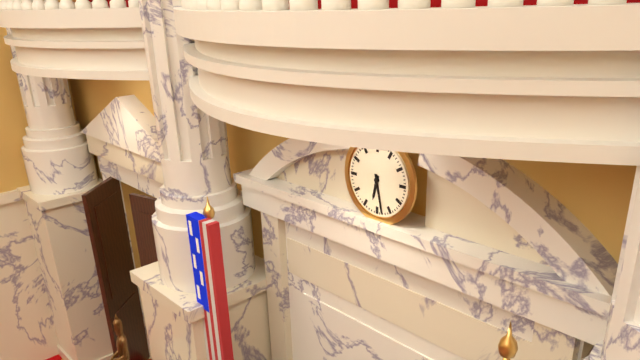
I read **6:28**
